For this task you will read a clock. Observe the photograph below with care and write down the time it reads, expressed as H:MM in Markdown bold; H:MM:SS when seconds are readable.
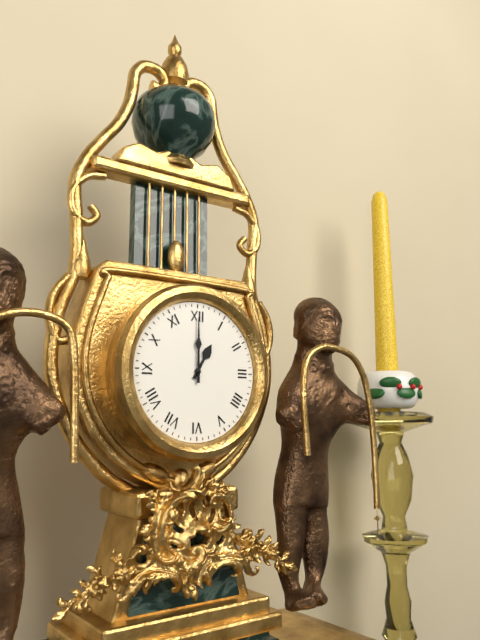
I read **1:00**
